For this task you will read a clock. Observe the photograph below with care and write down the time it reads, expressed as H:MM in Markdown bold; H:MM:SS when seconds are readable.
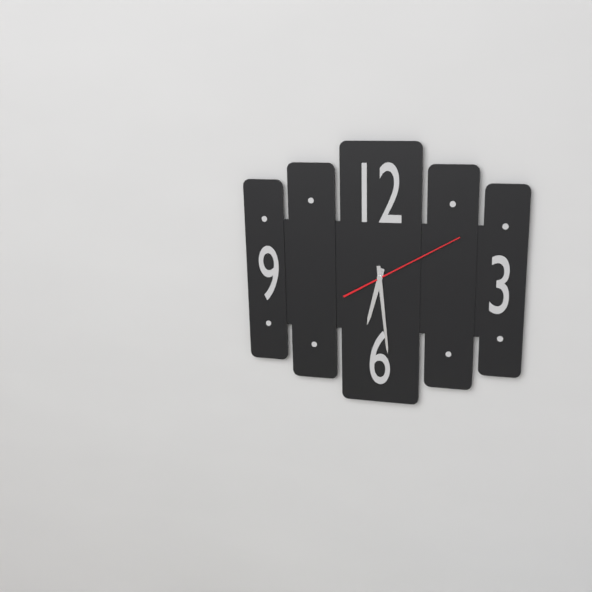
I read **6:29:10**
